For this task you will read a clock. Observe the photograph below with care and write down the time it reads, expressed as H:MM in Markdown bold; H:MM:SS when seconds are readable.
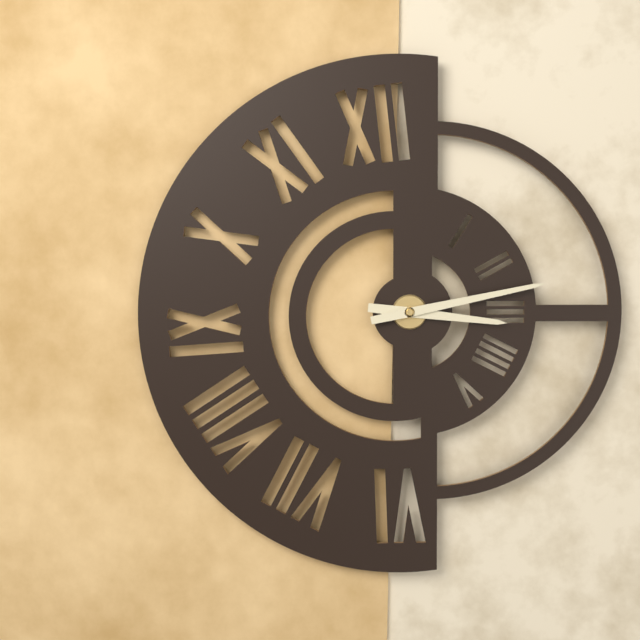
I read **3:13**
